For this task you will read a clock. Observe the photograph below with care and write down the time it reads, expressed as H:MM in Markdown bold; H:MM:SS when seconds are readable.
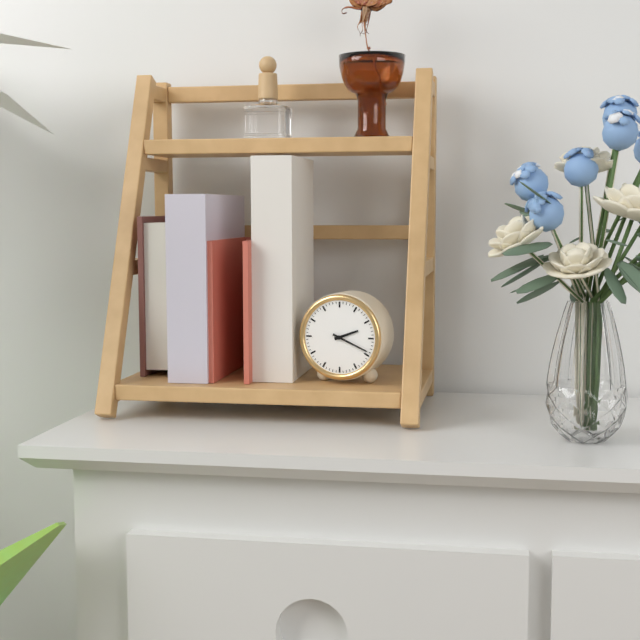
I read **2:19**
